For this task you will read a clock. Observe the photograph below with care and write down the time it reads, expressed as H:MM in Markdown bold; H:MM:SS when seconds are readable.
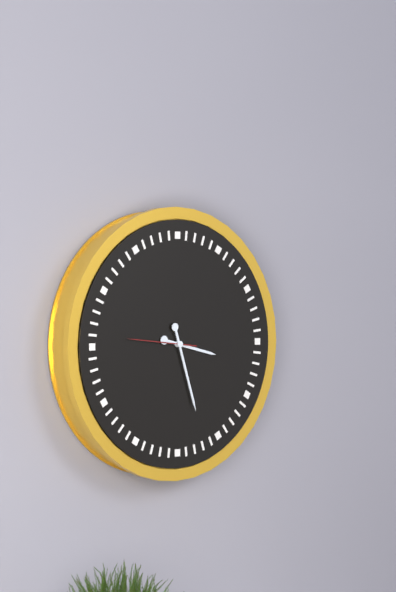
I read **3:27**
